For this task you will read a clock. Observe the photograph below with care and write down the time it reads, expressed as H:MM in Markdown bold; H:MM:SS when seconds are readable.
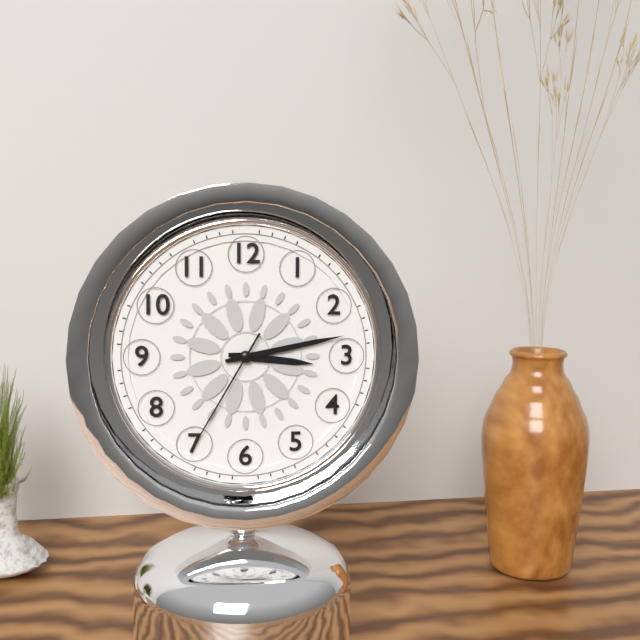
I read **3:13:35**
